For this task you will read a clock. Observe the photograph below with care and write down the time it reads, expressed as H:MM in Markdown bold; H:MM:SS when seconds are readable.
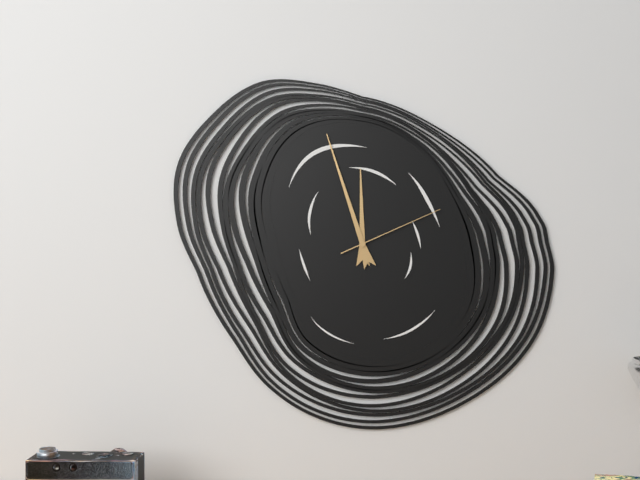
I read **11:57:11**
